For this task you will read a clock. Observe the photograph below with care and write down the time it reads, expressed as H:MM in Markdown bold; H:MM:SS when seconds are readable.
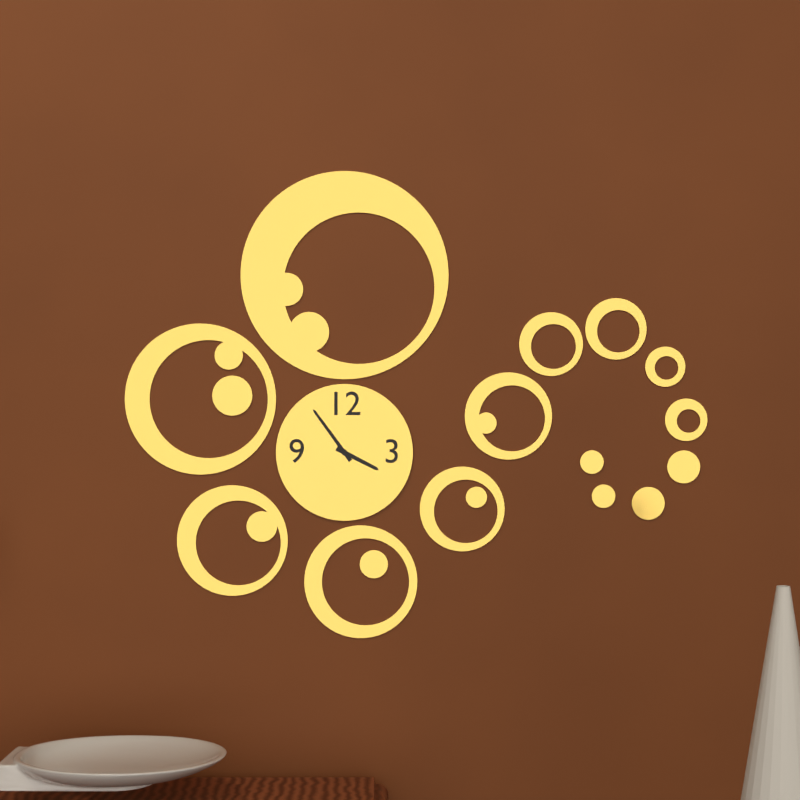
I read **3:54**
